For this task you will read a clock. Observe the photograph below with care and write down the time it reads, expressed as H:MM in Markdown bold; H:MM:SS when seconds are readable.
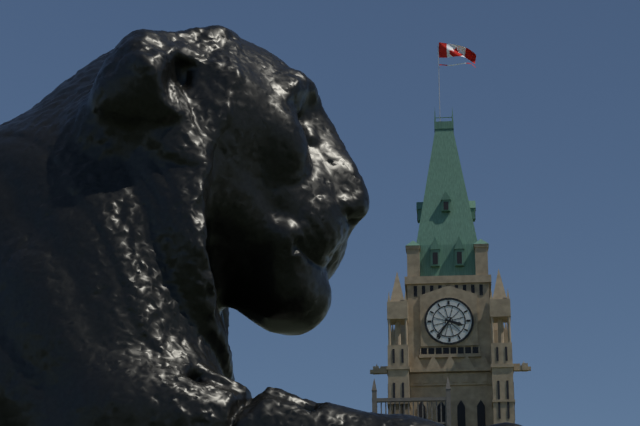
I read **3:36**
